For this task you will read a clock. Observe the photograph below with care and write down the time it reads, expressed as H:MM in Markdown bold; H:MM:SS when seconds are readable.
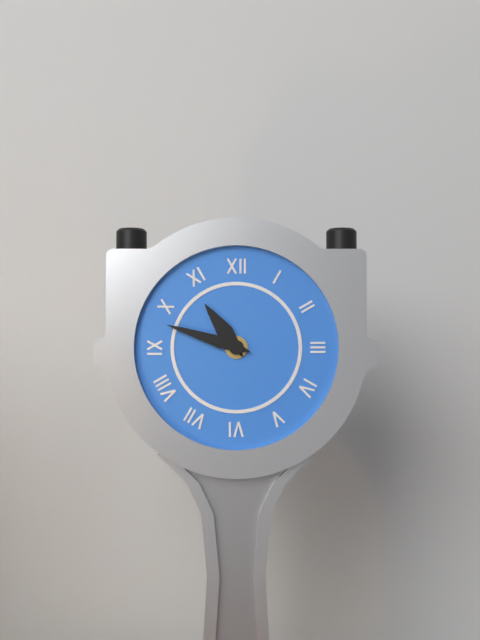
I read **10:48**
